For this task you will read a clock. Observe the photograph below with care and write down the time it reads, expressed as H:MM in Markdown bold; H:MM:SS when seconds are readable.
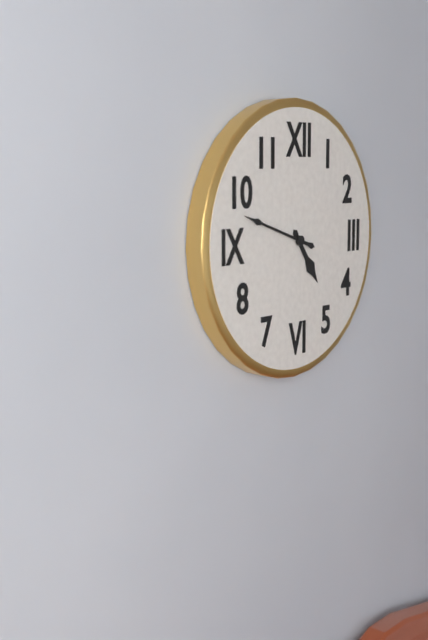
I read **4:48**
